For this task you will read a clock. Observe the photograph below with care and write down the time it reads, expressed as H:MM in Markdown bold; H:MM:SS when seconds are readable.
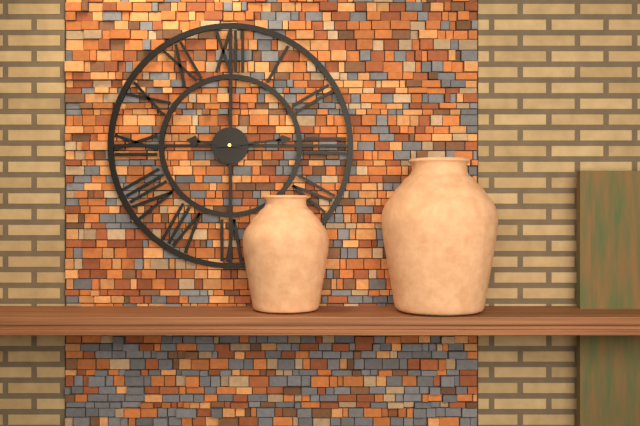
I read **9:14**
